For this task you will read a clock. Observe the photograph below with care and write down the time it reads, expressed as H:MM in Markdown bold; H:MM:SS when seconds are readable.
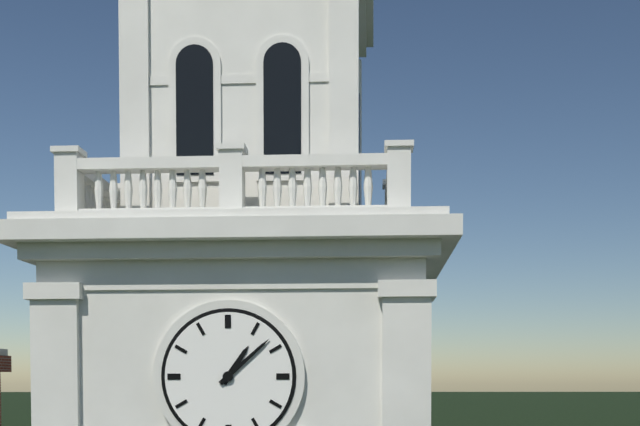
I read **1:08**
